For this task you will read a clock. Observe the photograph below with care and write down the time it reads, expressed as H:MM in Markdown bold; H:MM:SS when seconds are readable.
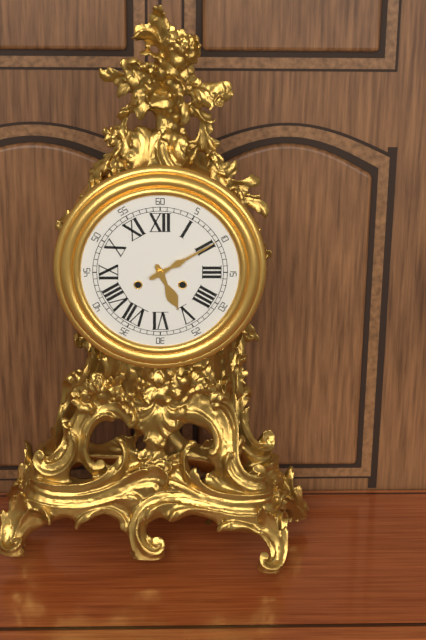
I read **5:10**
